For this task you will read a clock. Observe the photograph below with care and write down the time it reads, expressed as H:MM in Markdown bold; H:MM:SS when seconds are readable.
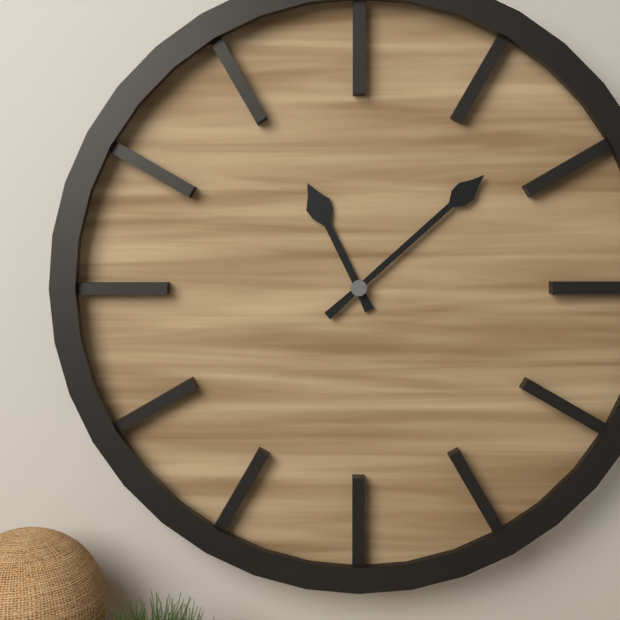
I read **11:08**
